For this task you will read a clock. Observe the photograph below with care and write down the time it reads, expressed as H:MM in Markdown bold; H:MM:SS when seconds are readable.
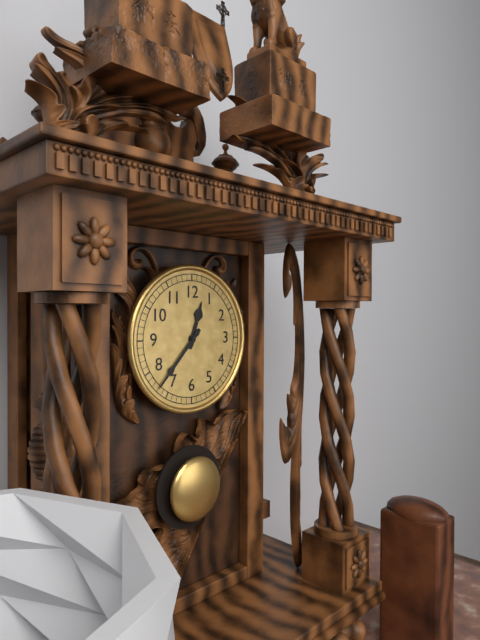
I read **12:37**
